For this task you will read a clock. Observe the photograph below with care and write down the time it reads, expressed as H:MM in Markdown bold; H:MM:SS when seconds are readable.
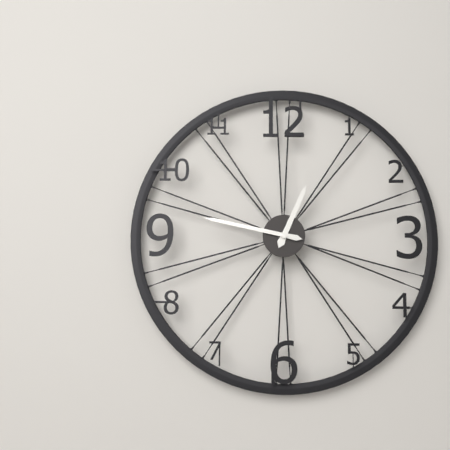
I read **12:47**
